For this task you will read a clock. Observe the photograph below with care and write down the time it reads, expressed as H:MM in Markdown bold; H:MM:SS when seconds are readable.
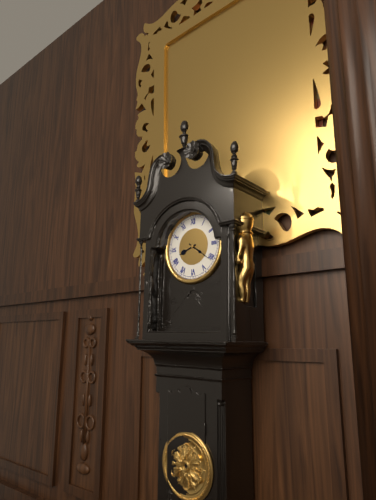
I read **8:21**
